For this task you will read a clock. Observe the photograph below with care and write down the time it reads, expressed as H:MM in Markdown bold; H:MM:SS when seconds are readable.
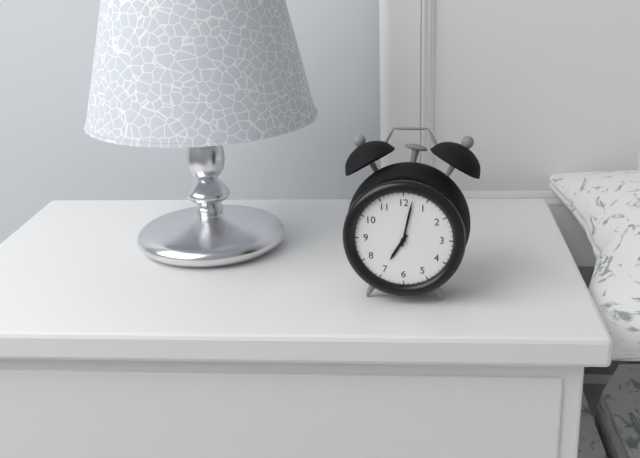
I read **7:02**
